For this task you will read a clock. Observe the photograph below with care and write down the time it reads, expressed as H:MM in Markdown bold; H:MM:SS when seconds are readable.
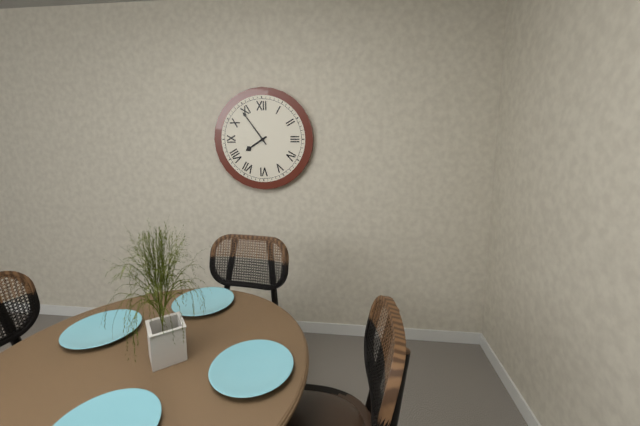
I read **7:54**
